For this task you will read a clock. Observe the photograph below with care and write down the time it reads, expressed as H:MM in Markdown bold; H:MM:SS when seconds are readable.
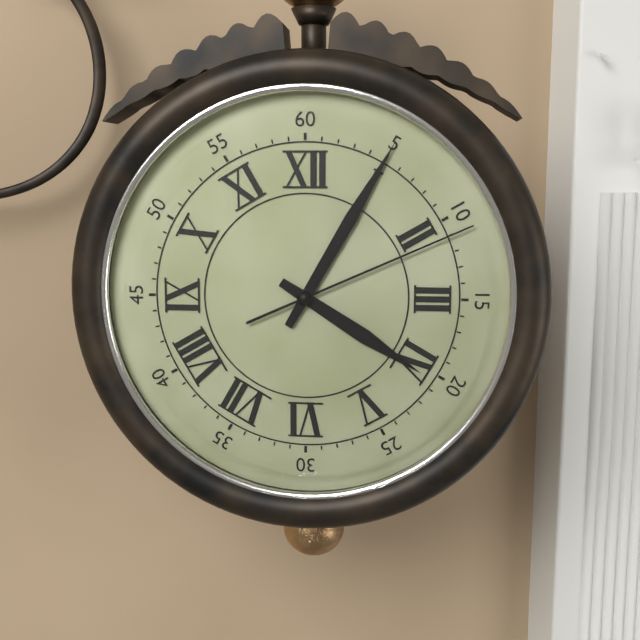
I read **4:05:11**
